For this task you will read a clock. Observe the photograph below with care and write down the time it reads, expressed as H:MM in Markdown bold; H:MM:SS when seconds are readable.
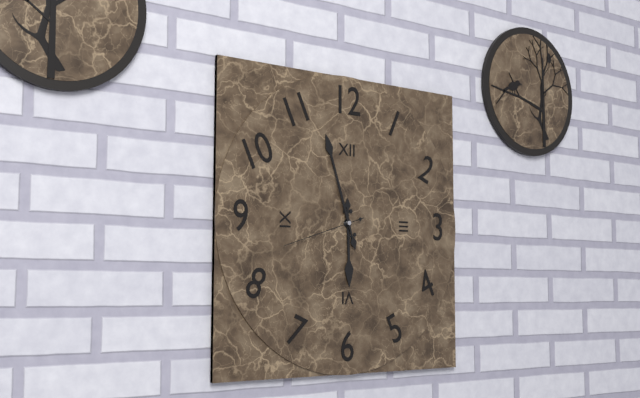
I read **5:57:42**
